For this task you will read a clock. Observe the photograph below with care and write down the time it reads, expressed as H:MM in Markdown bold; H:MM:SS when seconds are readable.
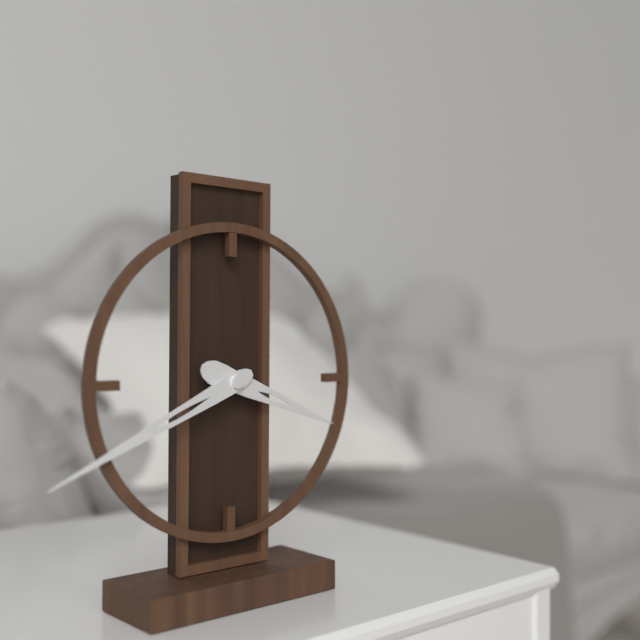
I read **3:41**
